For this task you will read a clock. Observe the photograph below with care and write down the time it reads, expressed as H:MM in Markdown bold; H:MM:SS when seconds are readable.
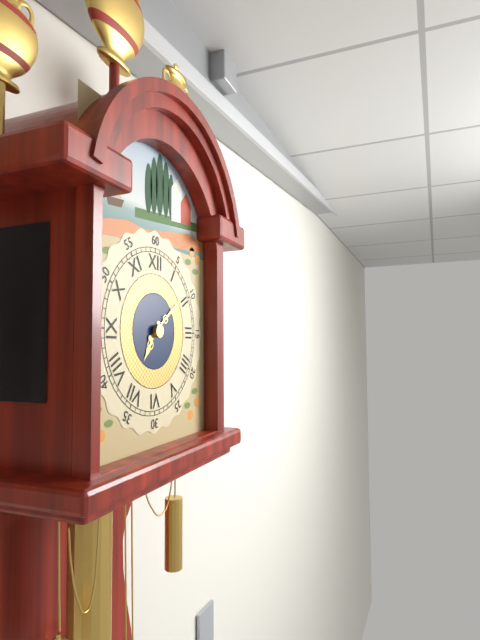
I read **7:09**
